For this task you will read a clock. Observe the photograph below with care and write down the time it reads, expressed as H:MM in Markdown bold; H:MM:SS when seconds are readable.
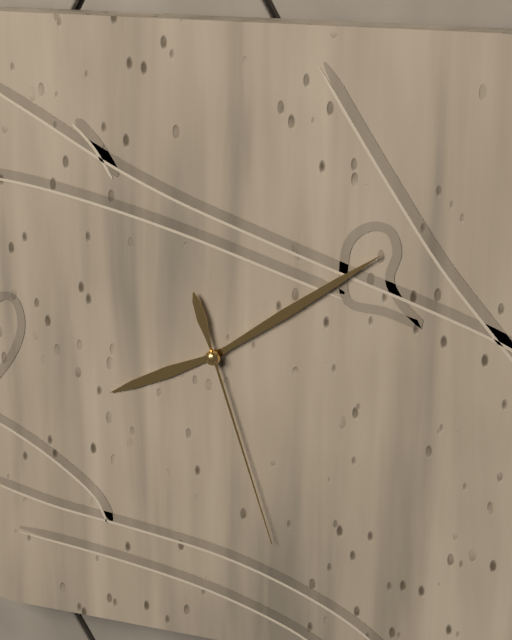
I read **8:09:27**
